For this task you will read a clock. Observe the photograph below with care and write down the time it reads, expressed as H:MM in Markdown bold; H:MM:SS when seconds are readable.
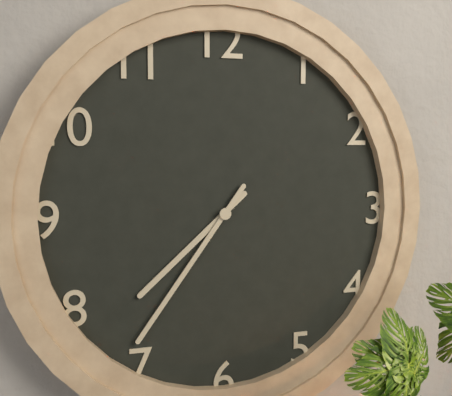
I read **7:36**
